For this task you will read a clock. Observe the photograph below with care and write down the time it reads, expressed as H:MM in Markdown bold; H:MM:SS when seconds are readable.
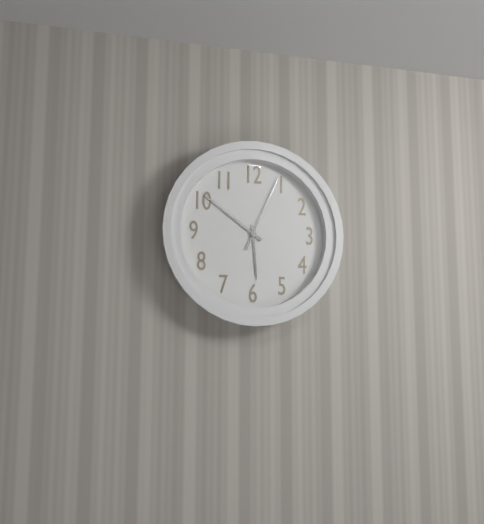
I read **5:51:04**
